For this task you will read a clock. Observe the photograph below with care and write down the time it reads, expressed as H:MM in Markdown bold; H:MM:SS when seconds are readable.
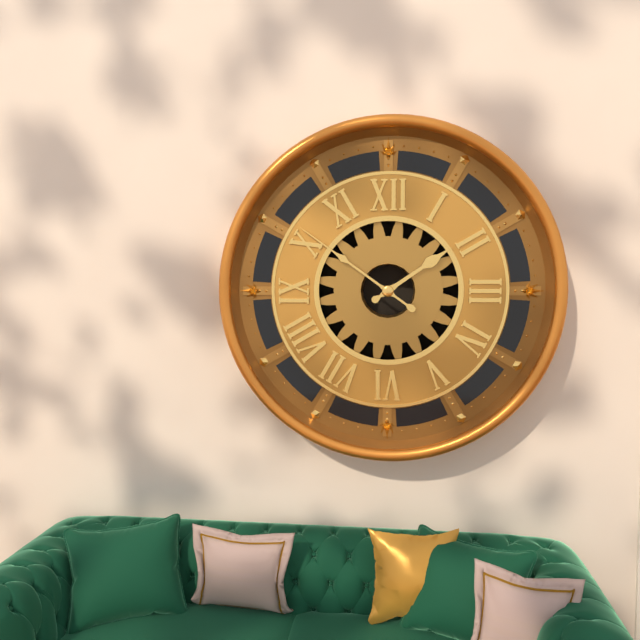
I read **1:51**
